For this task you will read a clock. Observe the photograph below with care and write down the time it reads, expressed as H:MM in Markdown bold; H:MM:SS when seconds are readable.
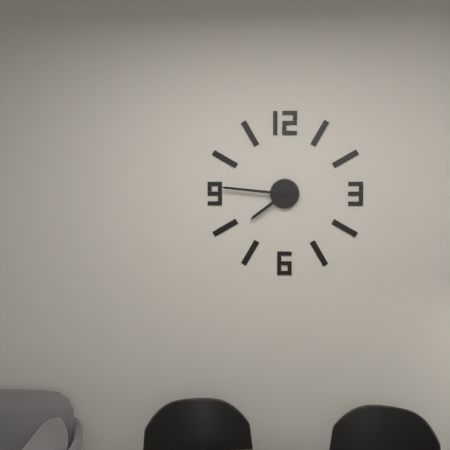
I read **7:46**
